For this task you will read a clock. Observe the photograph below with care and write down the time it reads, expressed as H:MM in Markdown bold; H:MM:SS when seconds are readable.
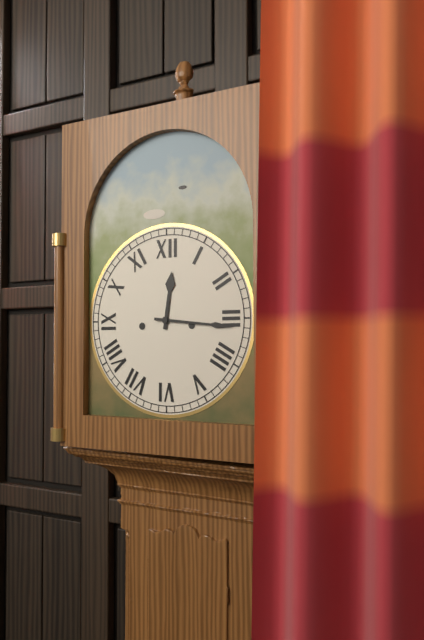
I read **12:16**
